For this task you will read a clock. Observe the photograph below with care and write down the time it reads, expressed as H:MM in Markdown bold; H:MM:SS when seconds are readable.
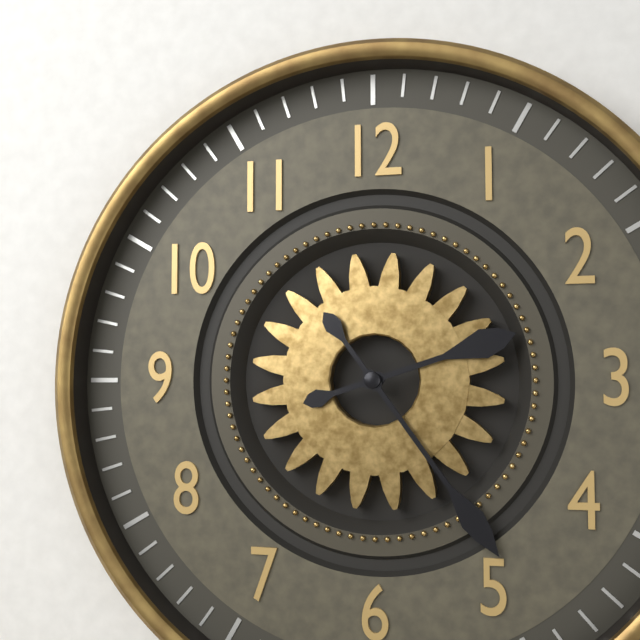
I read **2:24**
